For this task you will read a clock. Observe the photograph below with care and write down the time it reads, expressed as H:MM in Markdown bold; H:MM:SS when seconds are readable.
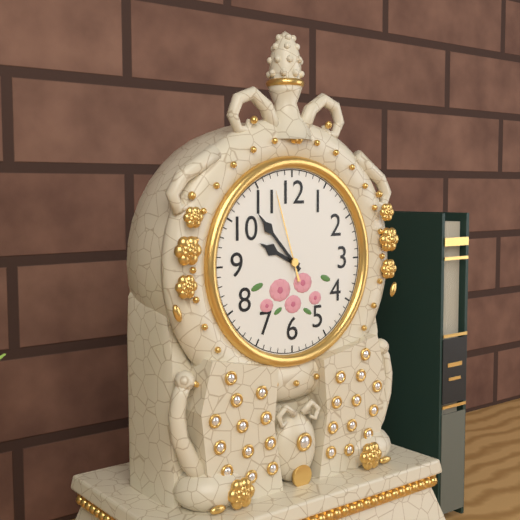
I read **9:53:57**
